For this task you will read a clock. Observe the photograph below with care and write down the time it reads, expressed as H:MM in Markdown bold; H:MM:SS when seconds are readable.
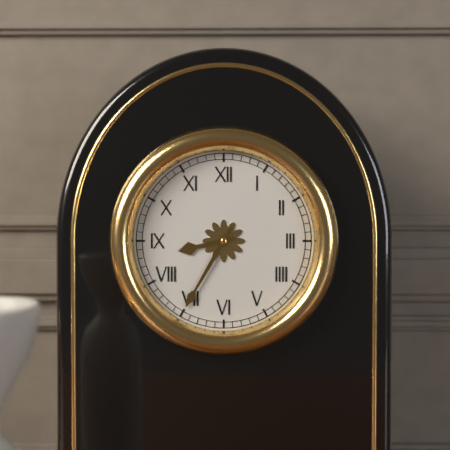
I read **8:35**
